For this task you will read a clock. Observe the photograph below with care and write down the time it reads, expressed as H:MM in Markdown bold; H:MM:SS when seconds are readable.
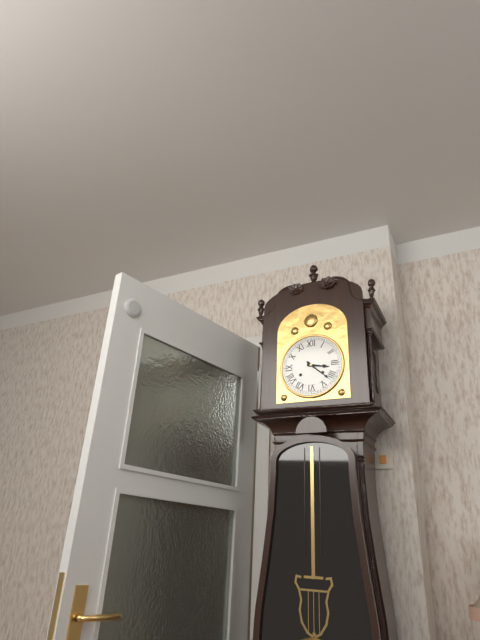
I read **3:22**
